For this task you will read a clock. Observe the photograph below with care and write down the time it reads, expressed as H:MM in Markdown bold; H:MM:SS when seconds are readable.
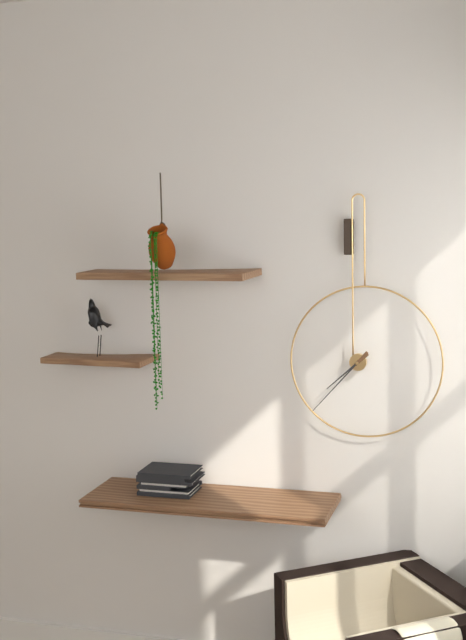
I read **7:37**
